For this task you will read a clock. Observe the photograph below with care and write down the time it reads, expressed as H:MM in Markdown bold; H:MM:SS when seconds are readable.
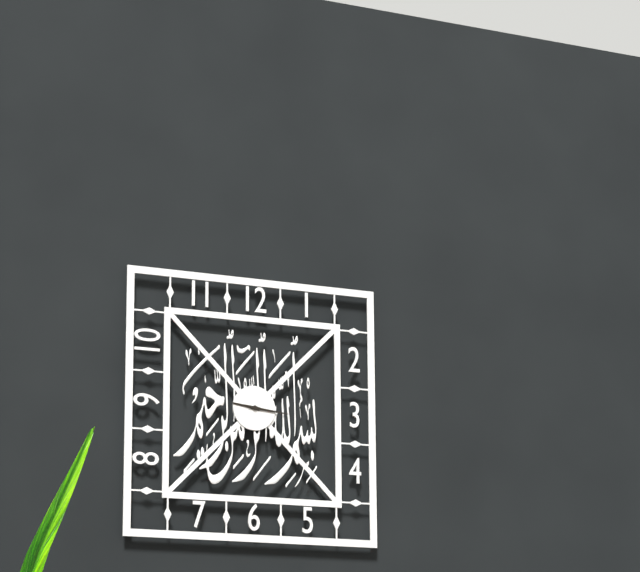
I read **9:16**
